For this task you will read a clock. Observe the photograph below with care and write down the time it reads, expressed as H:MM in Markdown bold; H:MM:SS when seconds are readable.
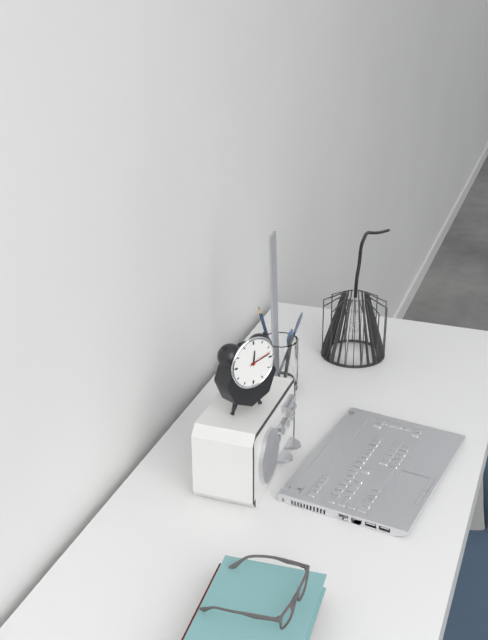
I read **12:13**
